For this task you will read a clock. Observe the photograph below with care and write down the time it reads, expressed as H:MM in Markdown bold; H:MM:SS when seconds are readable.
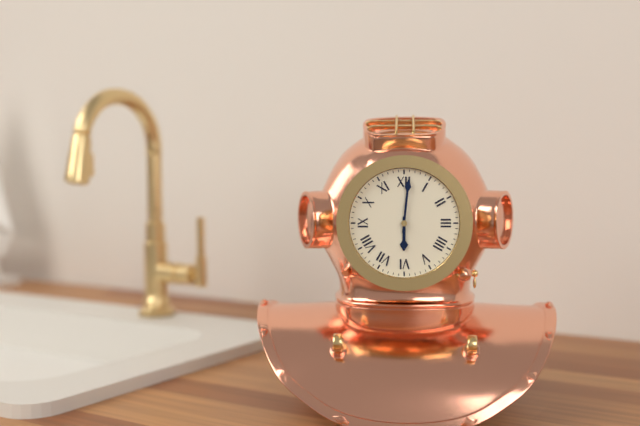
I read **6:01**
